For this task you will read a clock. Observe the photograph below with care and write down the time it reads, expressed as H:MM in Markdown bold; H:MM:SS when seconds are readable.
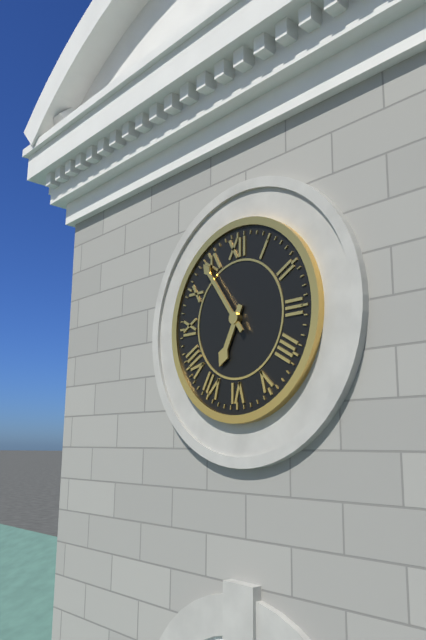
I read **6:54**
